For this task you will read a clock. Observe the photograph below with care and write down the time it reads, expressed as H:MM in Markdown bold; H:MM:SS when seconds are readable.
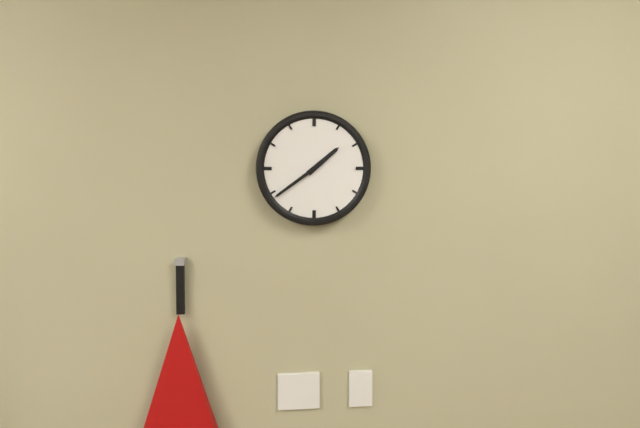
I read **1:39**
